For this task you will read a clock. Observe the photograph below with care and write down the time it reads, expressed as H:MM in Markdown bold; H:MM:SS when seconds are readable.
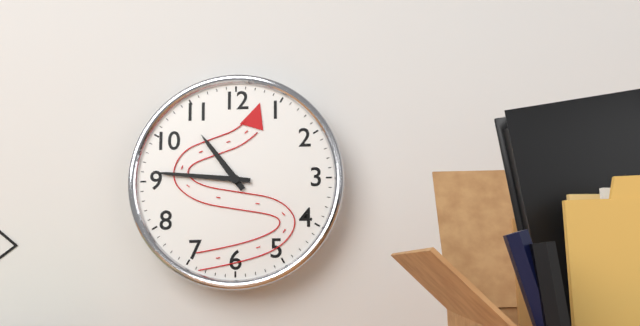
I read **10:46**
